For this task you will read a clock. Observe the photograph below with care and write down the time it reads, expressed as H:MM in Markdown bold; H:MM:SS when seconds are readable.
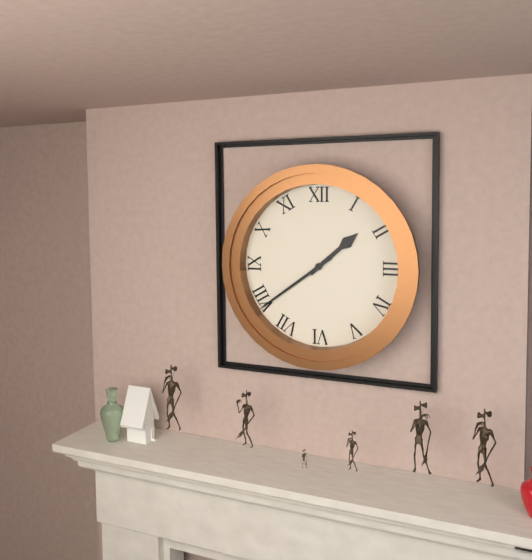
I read **1:39**
